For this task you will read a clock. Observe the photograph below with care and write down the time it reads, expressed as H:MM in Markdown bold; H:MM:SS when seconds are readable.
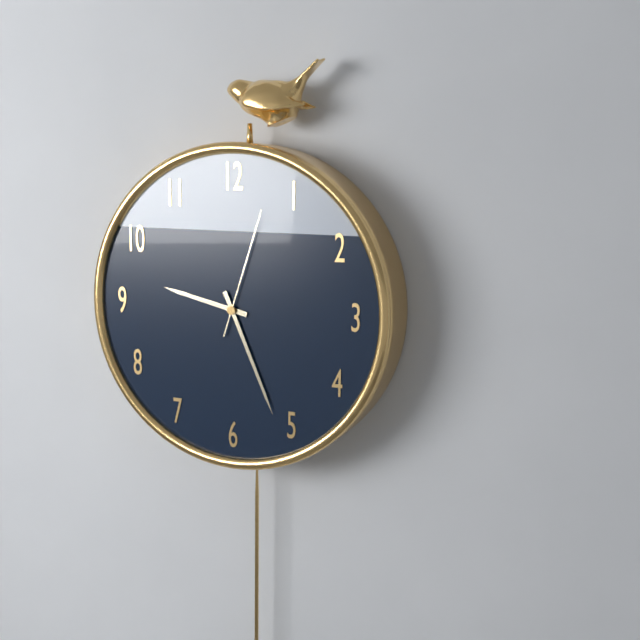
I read **9:26:03**
